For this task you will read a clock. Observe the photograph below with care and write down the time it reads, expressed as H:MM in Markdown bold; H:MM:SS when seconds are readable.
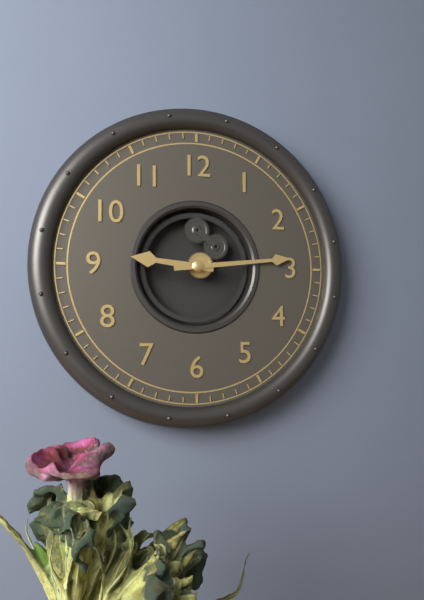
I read **9:14**
